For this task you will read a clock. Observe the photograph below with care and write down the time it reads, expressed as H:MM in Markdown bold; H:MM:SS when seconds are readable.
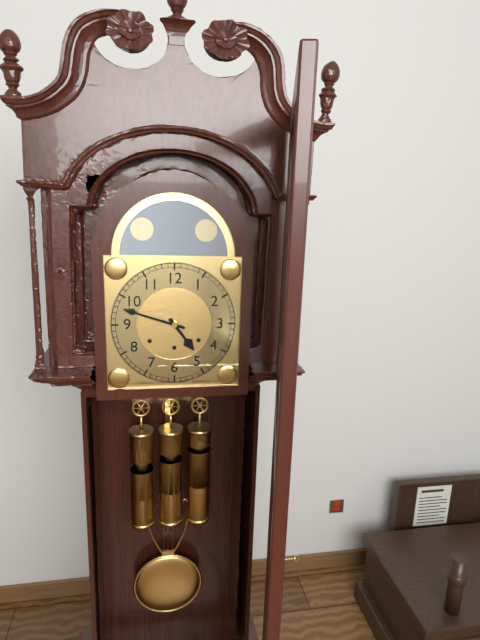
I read **4:48**
